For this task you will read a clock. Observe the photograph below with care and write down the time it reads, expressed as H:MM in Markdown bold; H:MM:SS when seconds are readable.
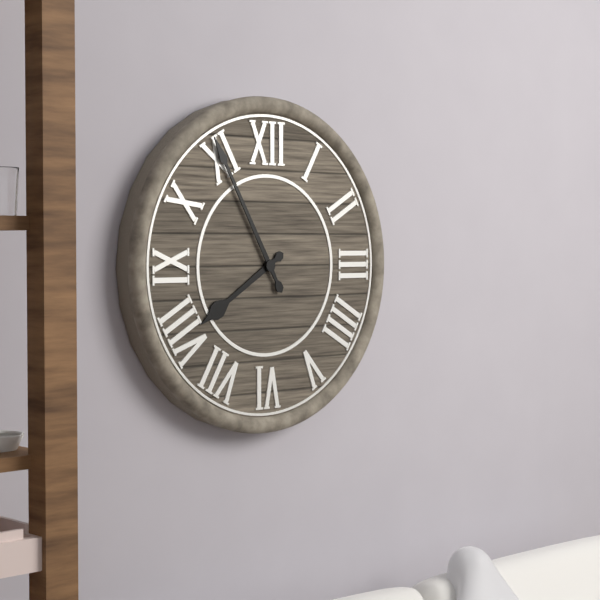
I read **7:55**
